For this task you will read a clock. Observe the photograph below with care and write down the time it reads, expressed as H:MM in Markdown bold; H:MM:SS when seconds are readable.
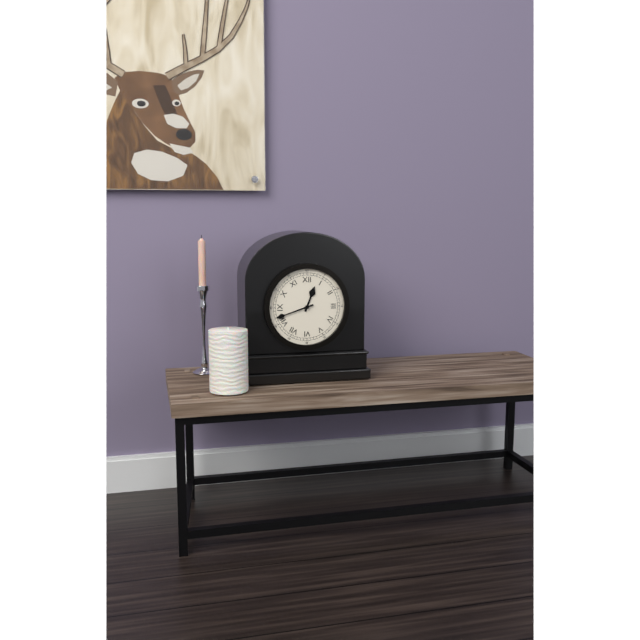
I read **12:42**
